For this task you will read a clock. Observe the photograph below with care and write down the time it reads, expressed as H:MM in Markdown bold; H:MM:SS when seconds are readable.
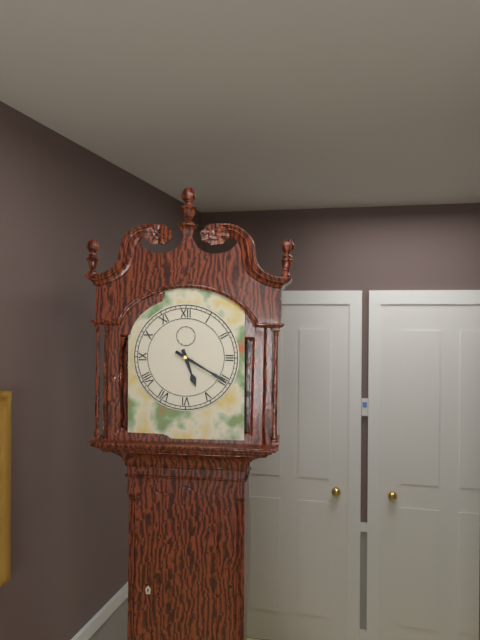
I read **5:20**
